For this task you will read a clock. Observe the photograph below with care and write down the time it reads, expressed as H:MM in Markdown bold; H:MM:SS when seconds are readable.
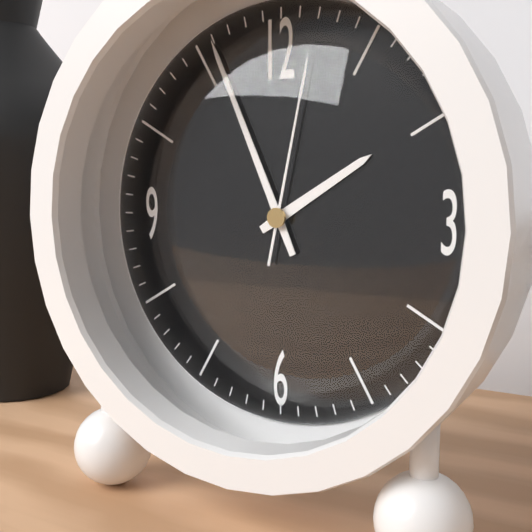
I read **1:56:02**
